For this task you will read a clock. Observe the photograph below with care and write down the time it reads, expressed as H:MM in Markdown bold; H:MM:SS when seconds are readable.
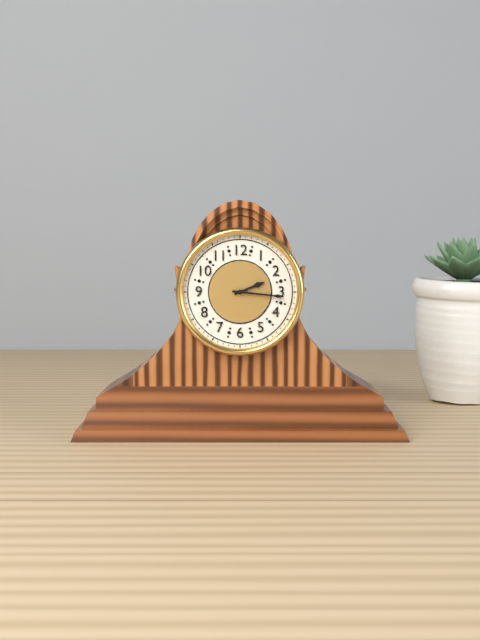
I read **2:16**
